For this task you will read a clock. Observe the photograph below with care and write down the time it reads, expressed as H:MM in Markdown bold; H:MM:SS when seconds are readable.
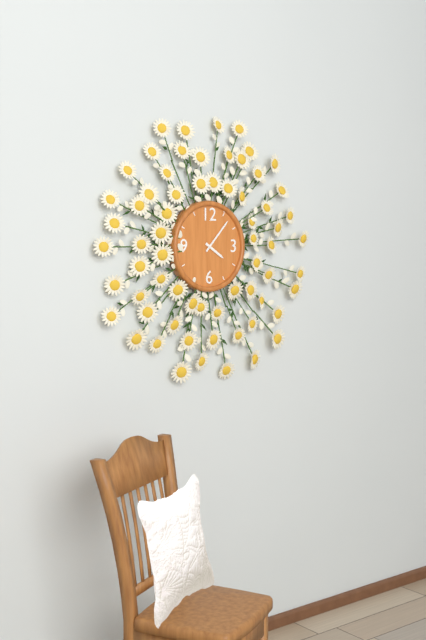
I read **4:07**
